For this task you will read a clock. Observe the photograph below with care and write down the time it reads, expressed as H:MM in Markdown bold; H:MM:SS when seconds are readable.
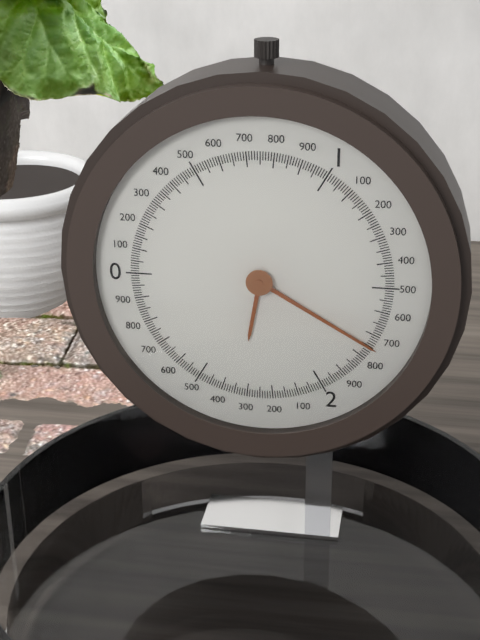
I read **6:20**
